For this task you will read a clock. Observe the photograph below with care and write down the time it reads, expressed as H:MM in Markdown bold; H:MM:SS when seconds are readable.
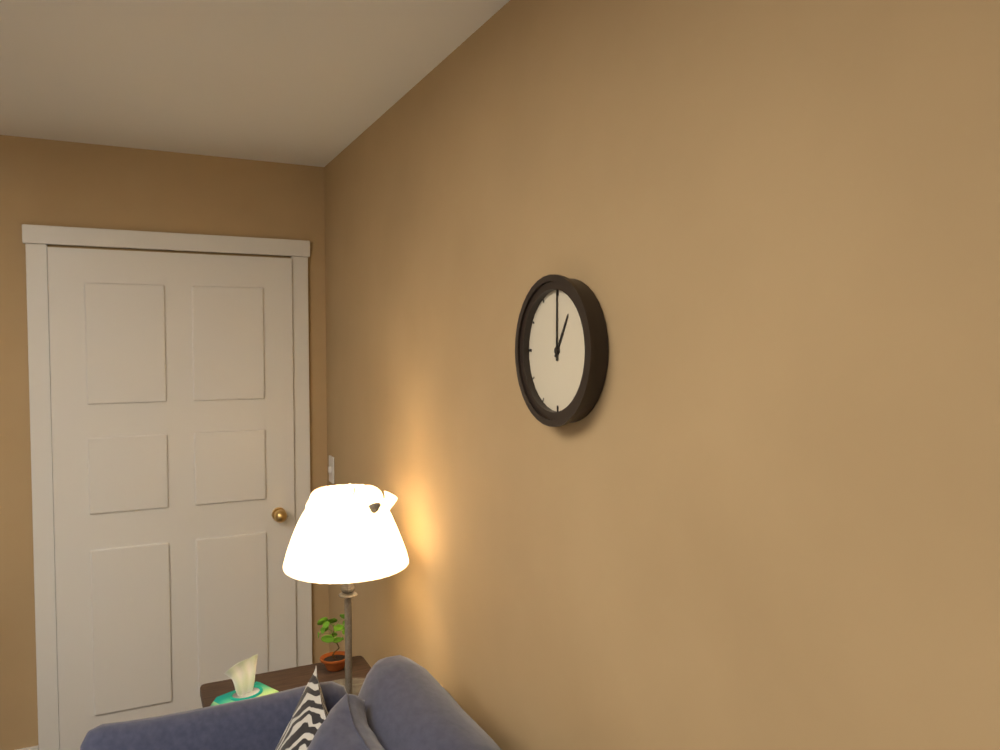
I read **1:00**
